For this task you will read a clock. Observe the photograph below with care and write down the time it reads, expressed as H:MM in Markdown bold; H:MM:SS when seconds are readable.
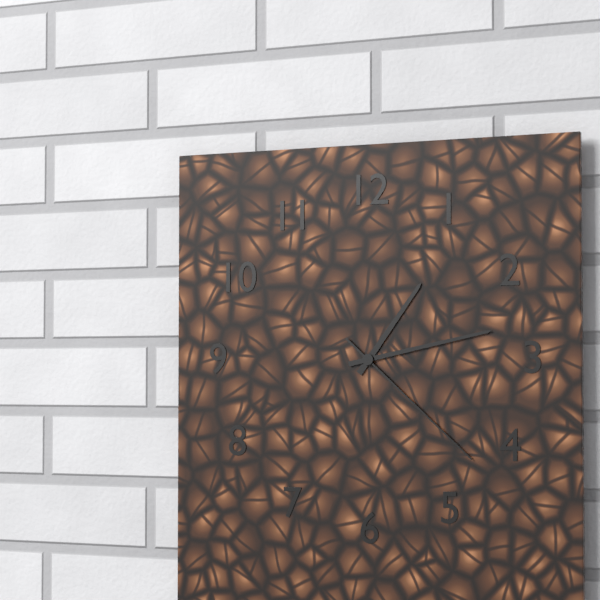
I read **1:13:22**
